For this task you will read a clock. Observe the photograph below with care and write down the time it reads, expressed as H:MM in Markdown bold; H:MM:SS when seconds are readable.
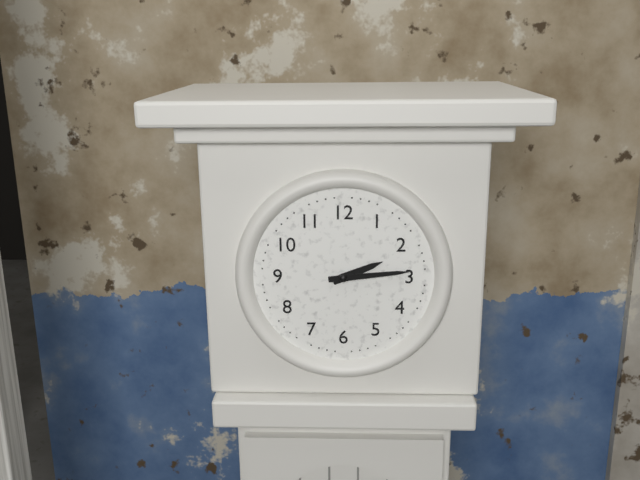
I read **2:14**
